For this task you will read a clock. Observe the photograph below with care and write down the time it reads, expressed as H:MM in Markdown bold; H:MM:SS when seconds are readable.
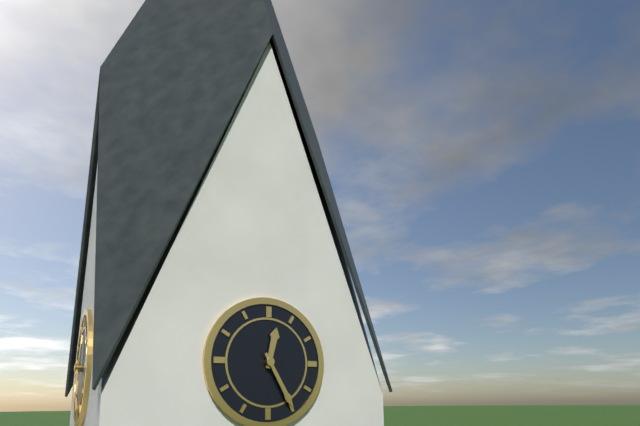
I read **12:25**
